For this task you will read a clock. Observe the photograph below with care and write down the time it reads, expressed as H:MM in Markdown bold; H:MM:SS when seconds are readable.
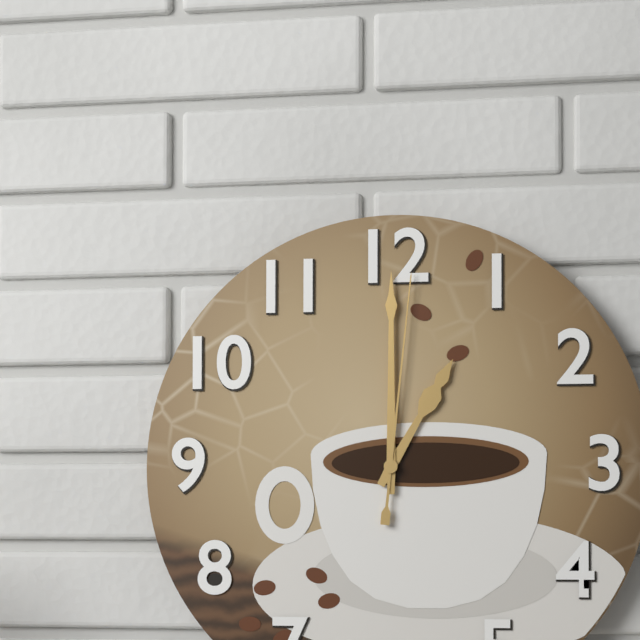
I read **1:00:01**
